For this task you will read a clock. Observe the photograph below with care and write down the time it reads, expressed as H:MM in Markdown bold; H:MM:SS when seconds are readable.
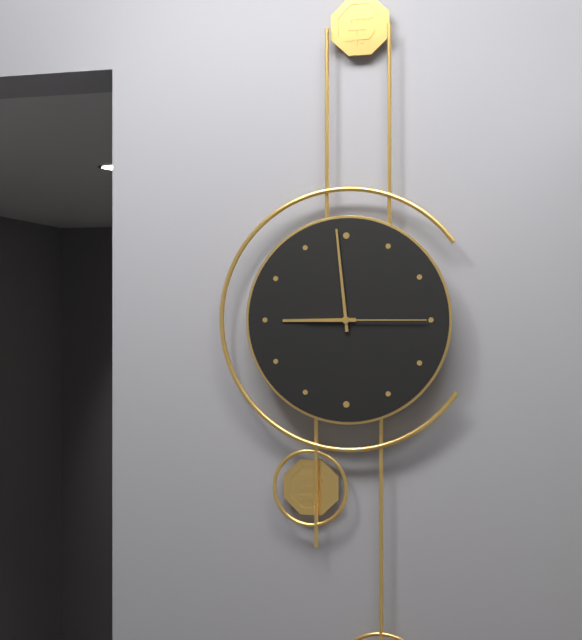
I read **8:59:15**
